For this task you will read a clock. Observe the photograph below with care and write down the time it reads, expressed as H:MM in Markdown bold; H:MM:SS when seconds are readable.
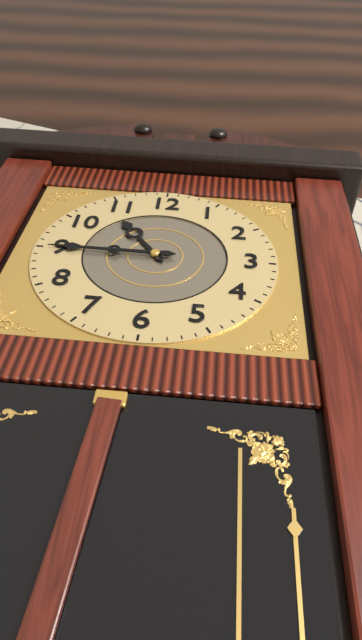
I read **10:45**
